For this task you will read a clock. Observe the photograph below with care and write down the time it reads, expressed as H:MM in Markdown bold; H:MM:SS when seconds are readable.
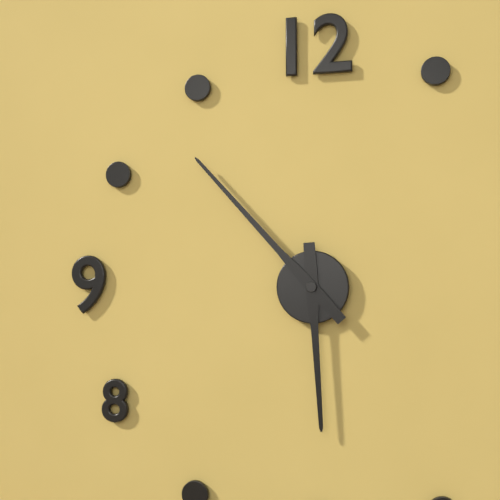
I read **5:53**
